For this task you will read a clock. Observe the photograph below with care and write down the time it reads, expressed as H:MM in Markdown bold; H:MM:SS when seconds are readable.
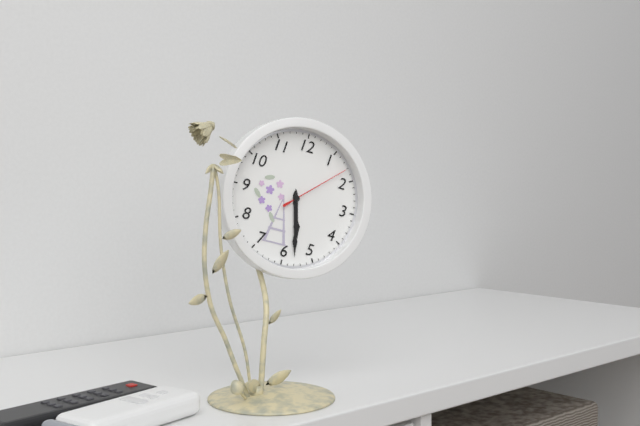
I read **5:28:08**
